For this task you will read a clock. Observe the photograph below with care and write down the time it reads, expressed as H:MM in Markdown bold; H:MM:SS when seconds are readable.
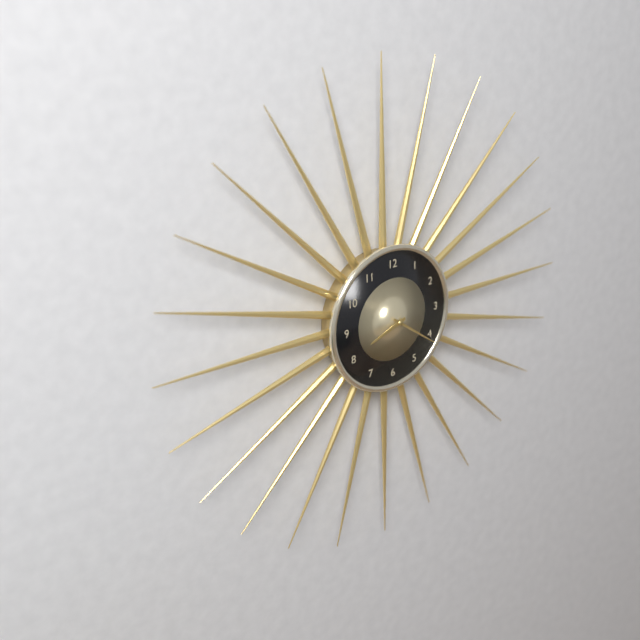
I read **8:21**
